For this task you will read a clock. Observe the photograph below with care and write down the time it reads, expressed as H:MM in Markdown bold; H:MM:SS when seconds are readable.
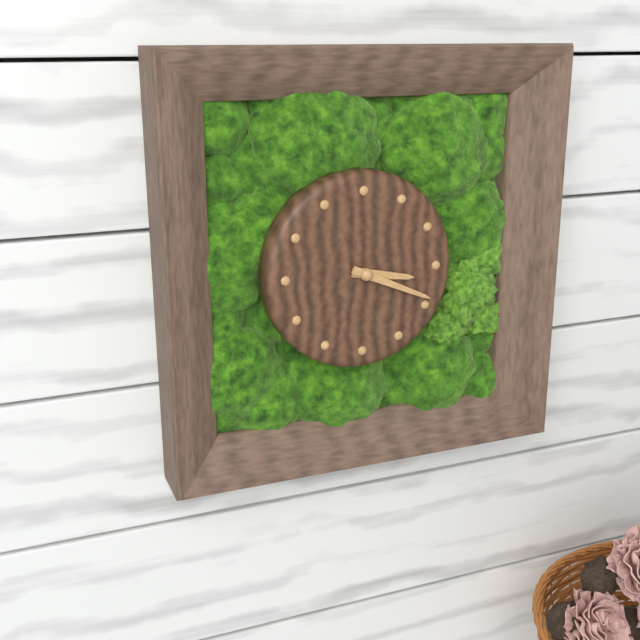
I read **3:19**
